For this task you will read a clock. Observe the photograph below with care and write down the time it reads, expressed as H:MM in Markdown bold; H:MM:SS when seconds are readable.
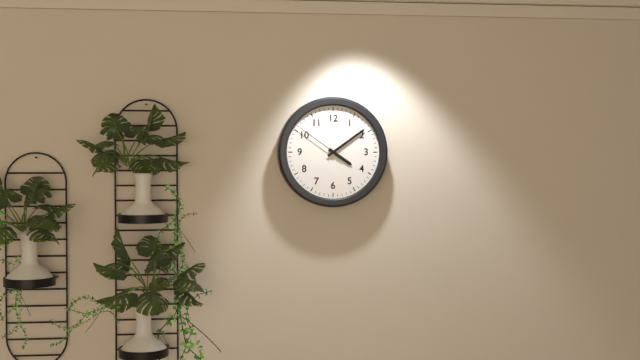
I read **4:09:51**
